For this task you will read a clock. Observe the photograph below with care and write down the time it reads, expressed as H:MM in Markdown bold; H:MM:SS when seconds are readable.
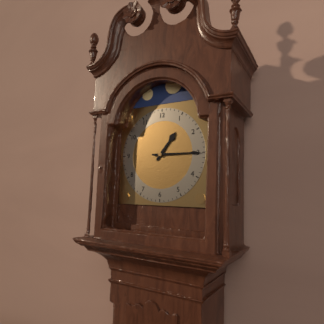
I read **1:15**
